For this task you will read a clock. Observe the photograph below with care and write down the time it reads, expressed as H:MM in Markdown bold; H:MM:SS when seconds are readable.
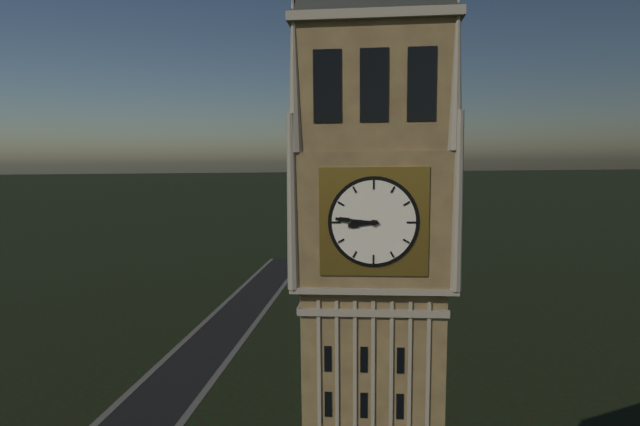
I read **8:46**
